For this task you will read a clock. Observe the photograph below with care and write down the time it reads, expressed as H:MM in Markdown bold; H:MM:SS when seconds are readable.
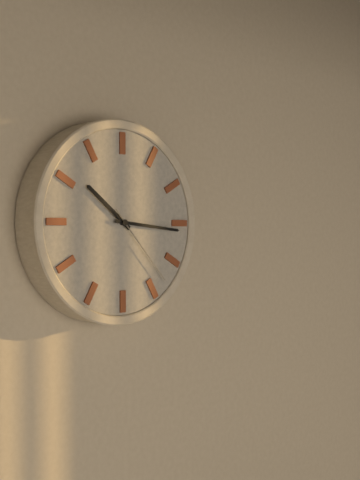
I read **10:16:23**
